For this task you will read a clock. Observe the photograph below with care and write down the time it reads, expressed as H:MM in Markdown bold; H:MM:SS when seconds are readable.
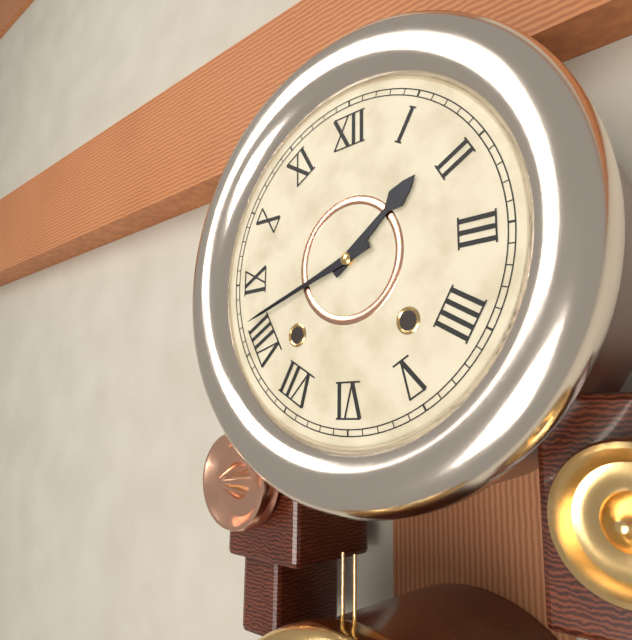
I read **1:42**
